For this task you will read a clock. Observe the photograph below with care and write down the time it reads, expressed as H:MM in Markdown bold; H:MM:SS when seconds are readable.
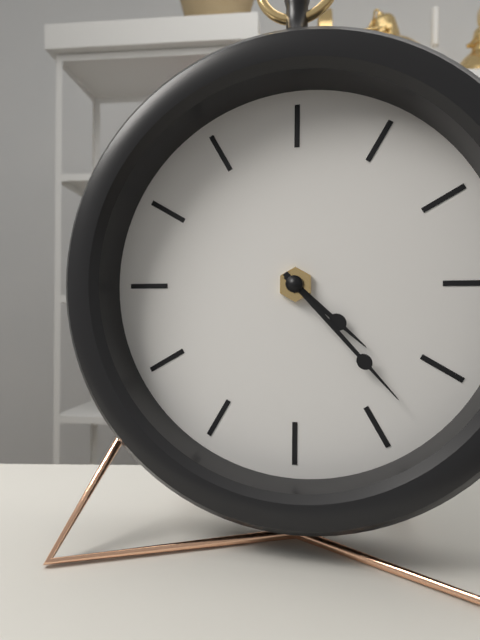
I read **4:23**
